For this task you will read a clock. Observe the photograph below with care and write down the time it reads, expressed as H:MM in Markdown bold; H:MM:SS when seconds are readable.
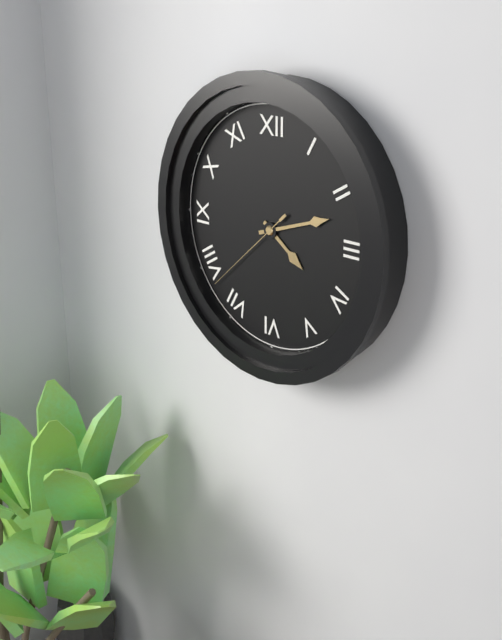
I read **4:12:38**
